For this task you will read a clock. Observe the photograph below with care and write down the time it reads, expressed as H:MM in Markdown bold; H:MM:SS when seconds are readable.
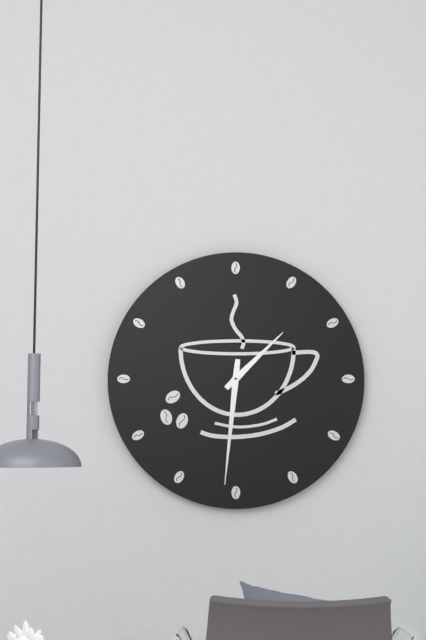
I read **1:31**
